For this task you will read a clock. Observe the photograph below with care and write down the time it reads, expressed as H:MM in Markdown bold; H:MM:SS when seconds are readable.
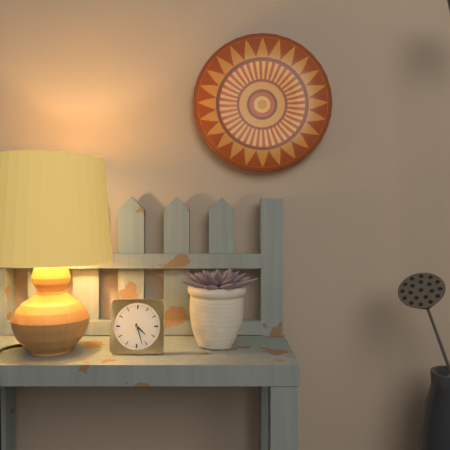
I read **4:27**
